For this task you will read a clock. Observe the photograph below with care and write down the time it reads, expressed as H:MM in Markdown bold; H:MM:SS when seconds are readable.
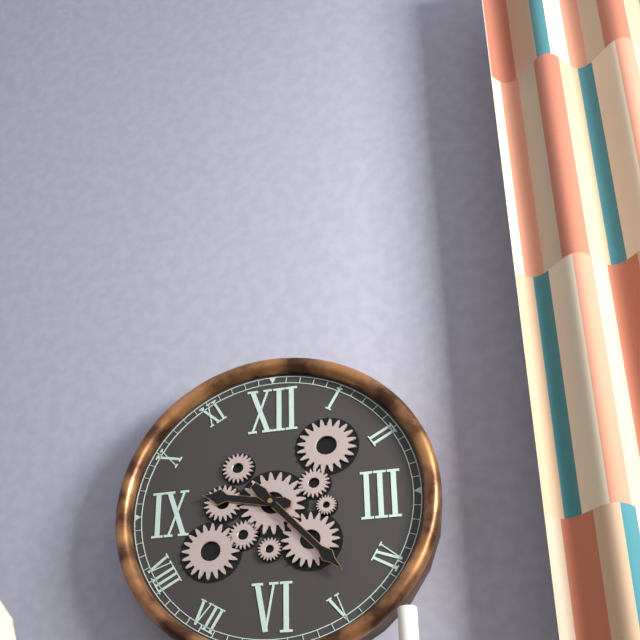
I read **9:23**
